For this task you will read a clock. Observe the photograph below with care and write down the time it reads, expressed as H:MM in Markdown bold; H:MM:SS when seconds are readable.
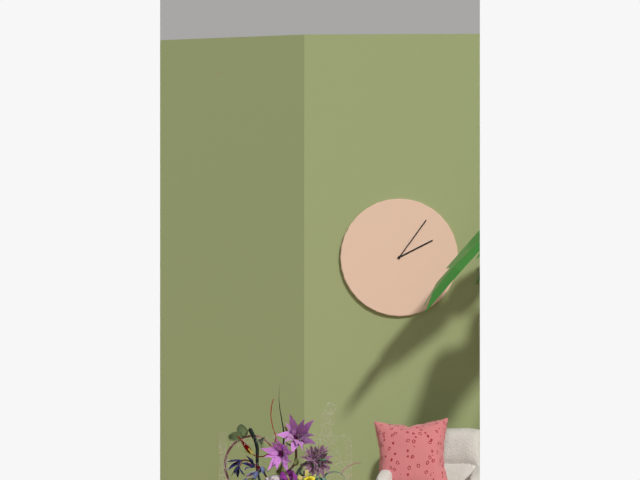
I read **2:06**
